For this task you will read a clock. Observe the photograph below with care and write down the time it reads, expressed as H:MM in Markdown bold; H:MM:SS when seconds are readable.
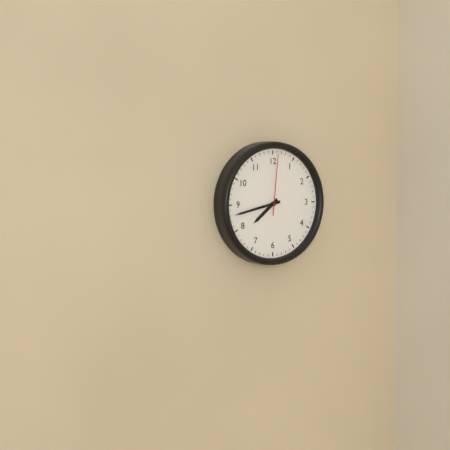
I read **7:43:01**
